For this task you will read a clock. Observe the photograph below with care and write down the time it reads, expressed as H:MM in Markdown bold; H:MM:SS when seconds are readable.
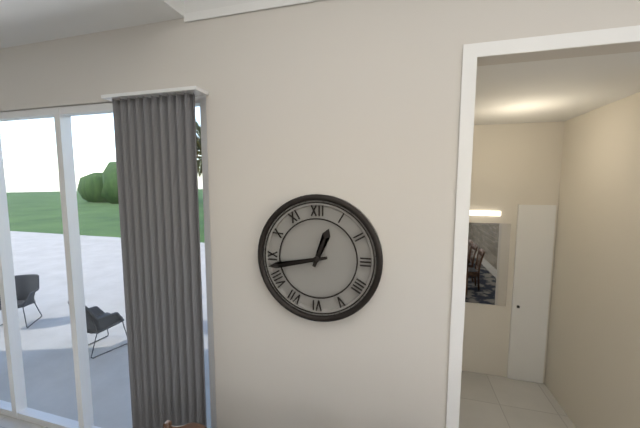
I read **12:43**
